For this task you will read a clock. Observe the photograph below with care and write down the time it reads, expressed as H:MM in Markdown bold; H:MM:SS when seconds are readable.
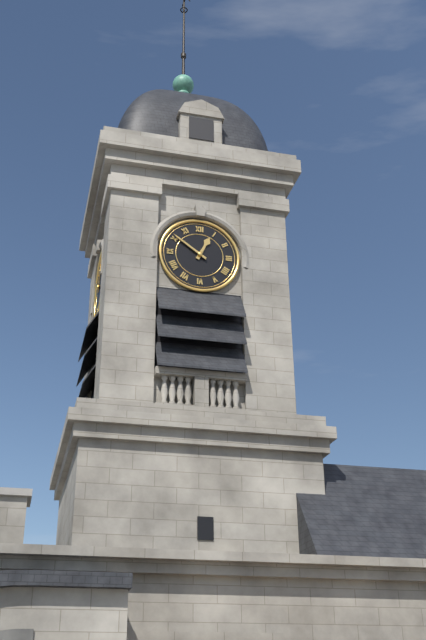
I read **12:51**
